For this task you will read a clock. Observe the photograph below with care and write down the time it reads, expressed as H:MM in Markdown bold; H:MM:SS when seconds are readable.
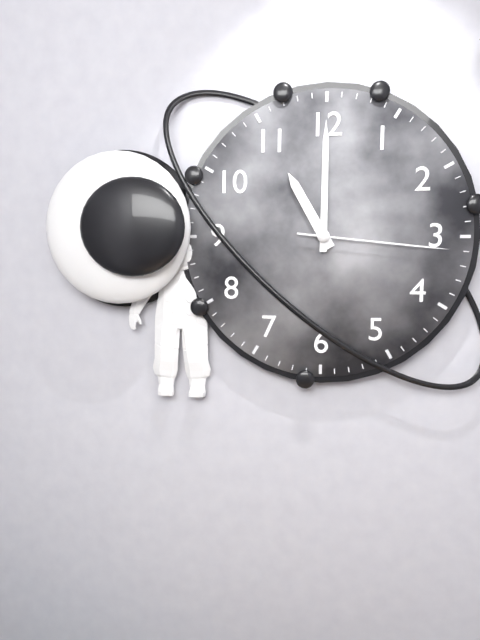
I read **11:00:16**
